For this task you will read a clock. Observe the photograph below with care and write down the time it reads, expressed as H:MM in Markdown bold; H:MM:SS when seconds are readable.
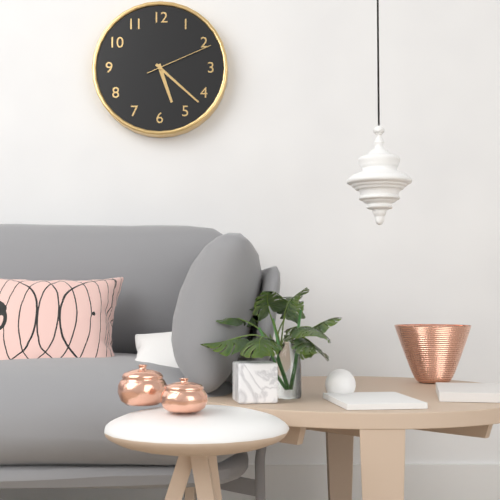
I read **5:22:11**
